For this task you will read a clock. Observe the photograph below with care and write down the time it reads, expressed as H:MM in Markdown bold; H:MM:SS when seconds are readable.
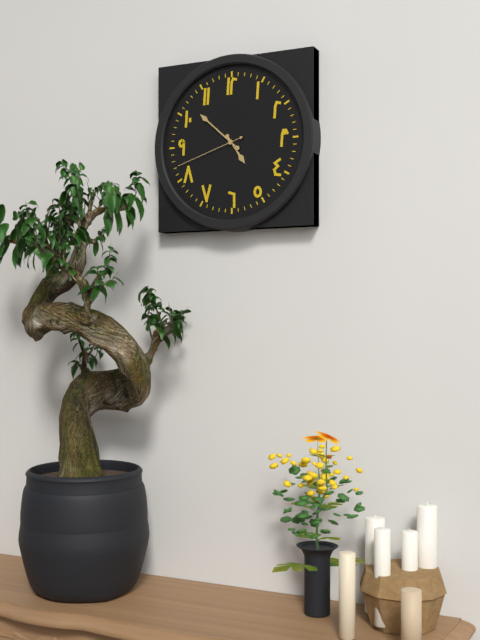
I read **4:52:42**
